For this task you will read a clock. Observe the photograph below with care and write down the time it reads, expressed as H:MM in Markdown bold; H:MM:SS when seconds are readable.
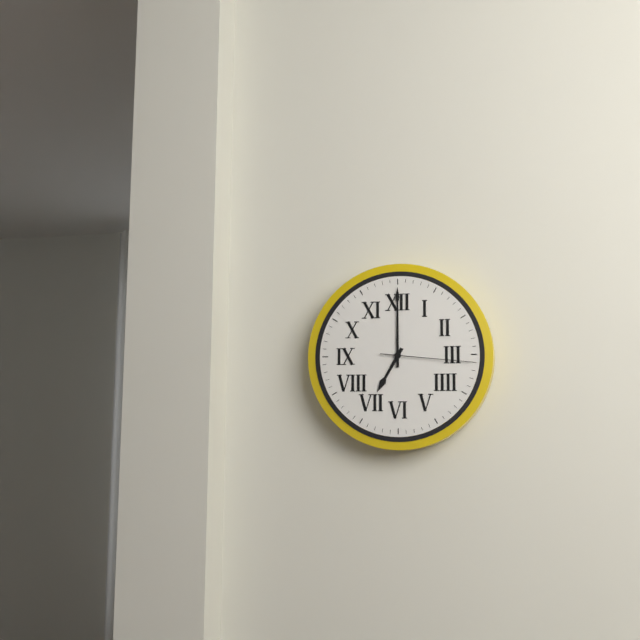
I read **7:00:16**
